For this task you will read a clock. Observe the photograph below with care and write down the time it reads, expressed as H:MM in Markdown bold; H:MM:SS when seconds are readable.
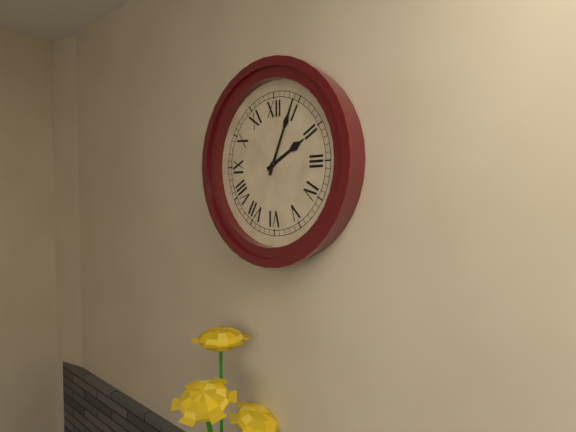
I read **2:04**
